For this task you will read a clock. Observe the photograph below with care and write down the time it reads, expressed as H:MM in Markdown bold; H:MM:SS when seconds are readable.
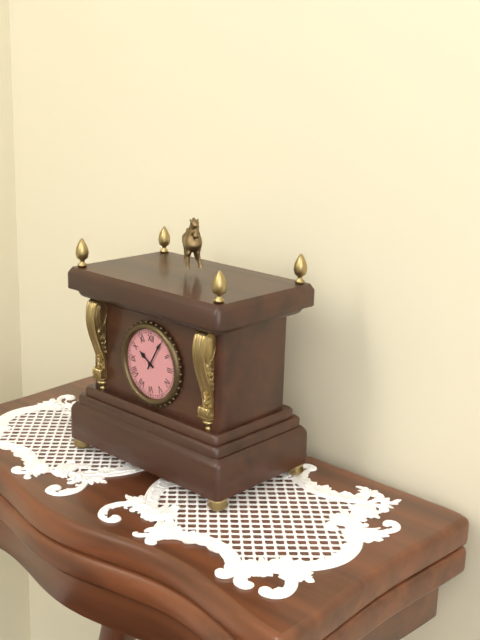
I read **10:05**
